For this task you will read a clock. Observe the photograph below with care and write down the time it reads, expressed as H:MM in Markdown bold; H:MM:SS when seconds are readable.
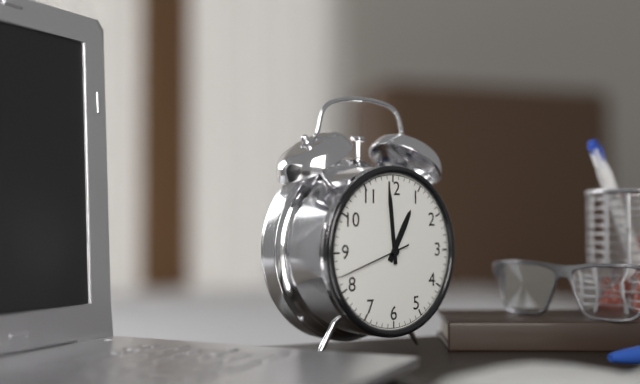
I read **12:59:42**
